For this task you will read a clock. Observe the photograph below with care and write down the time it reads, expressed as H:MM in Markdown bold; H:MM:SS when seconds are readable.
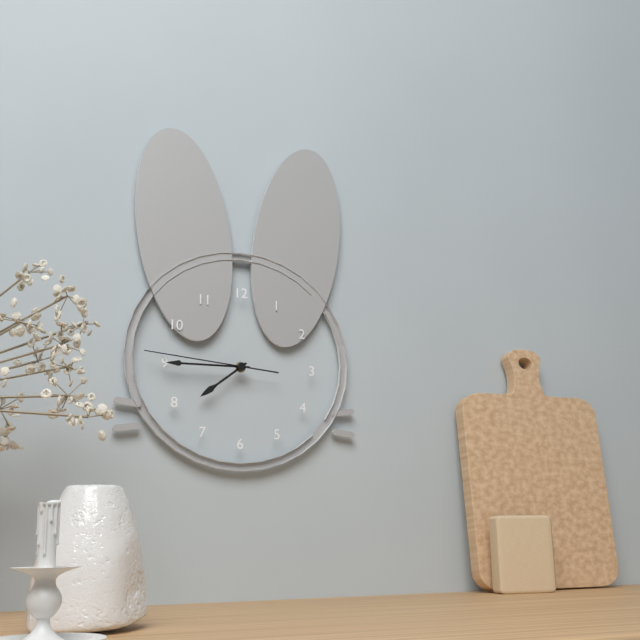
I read **7:45:46**
